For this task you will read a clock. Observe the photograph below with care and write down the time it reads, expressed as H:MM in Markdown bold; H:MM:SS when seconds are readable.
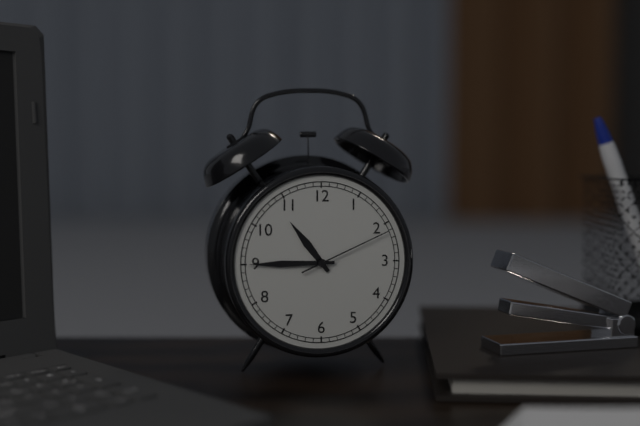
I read **10:45:11**
